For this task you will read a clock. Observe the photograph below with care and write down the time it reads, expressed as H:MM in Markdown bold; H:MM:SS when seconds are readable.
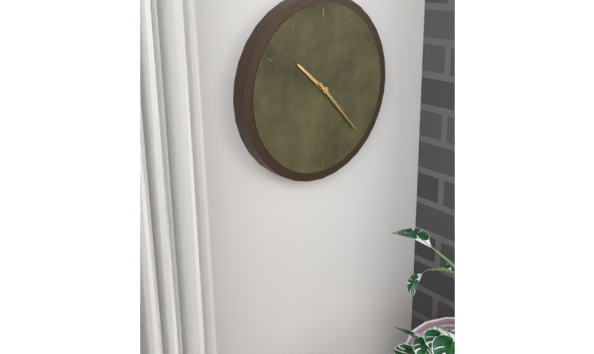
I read **10:23**
